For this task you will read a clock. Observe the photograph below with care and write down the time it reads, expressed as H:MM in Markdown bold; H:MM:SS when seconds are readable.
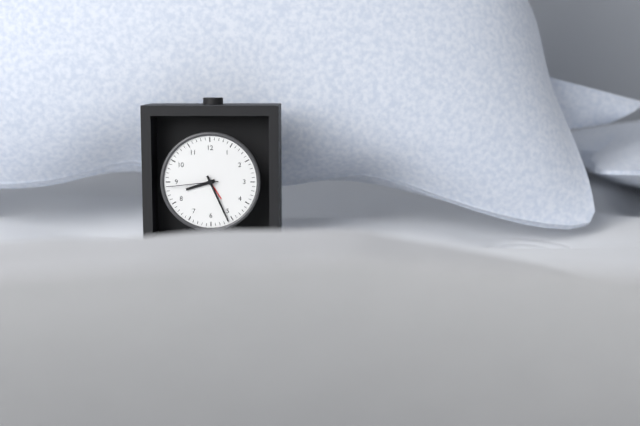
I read **8:26:44**
